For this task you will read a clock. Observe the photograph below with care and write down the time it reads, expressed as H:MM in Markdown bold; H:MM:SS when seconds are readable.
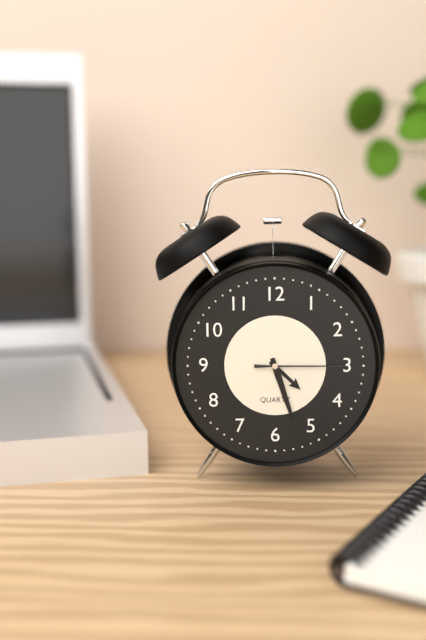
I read **4:27:15**
